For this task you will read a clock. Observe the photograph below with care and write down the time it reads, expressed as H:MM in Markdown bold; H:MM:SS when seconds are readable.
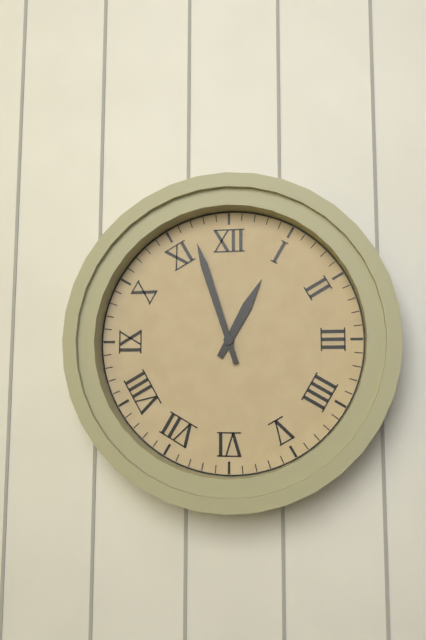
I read **12:57**
